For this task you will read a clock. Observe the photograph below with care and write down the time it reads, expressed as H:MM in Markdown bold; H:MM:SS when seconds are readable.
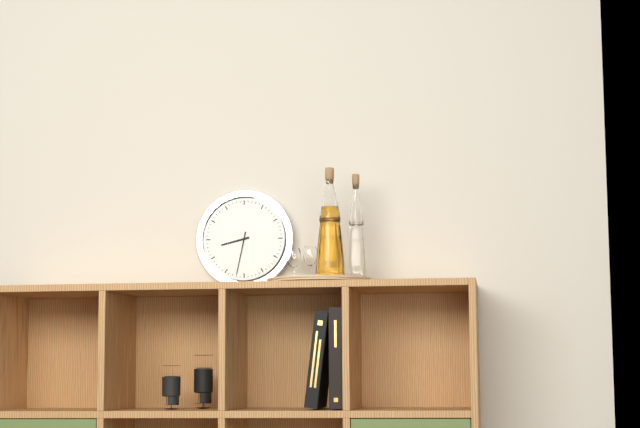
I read **8:32**
